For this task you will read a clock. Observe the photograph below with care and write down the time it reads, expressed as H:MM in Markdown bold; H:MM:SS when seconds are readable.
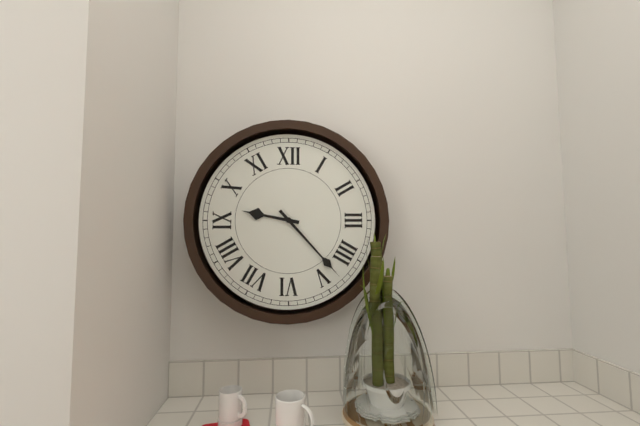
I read **9:23**
